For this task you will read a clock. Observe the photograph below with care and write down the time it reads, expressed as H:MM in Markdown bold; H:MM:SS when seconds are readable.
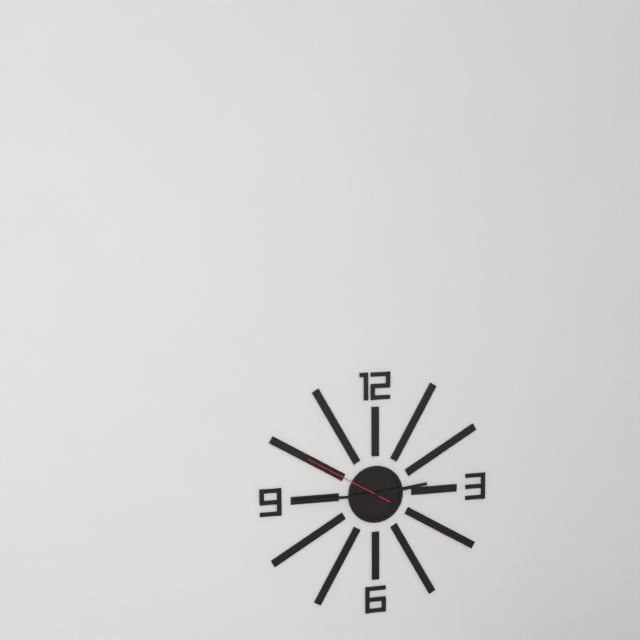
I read **2:45:50**
